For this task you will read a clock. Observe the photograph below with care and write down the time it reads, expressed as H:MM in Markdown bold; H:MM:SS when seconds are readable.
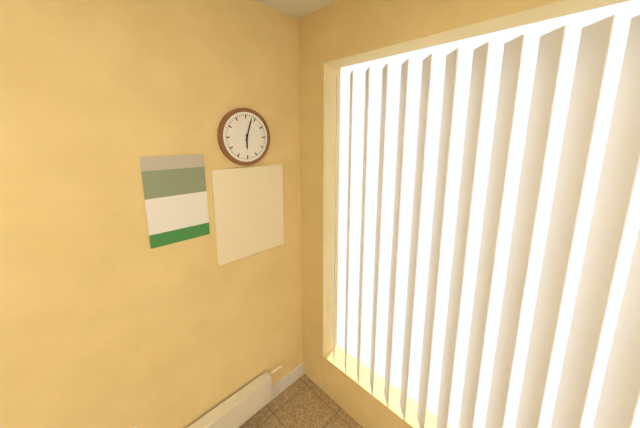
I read **6:03**
